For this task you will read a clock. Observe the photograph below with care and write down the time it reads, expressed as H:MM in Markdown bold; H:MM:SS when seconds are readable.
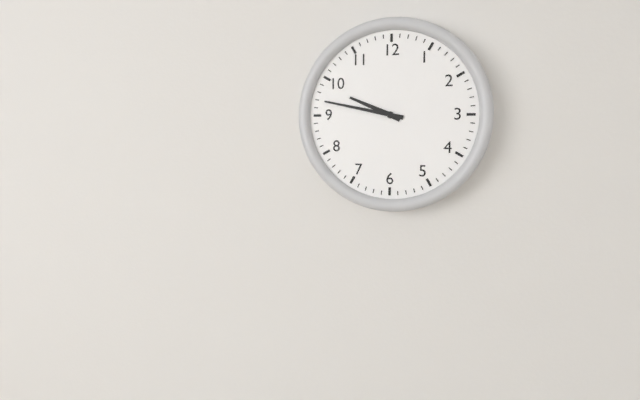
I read **9:47**
